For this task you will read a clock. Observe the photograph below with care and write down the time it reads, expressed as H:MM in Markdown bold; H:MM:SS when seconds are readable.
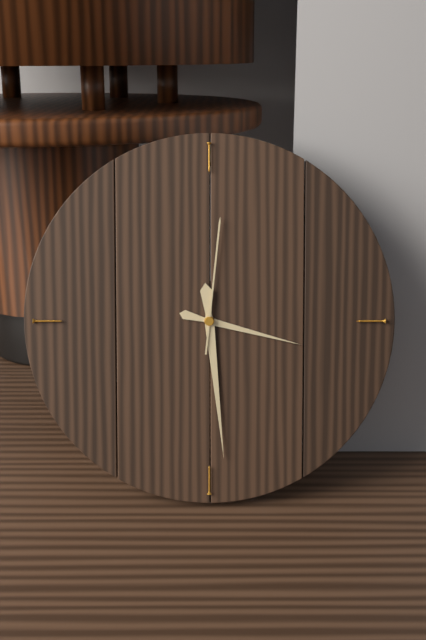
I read **3:29:01**
